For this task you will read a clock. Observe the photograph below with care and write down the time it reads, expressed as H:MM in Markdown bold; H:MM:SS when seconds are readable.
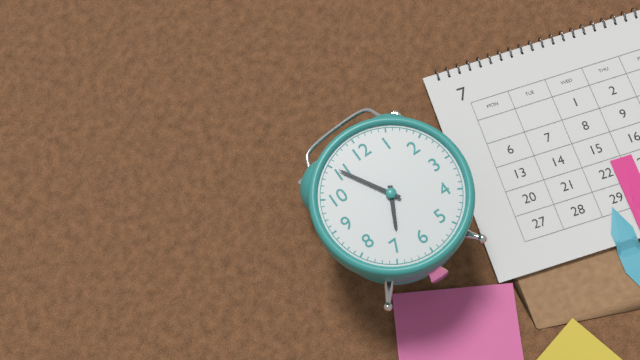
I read **6:55**
